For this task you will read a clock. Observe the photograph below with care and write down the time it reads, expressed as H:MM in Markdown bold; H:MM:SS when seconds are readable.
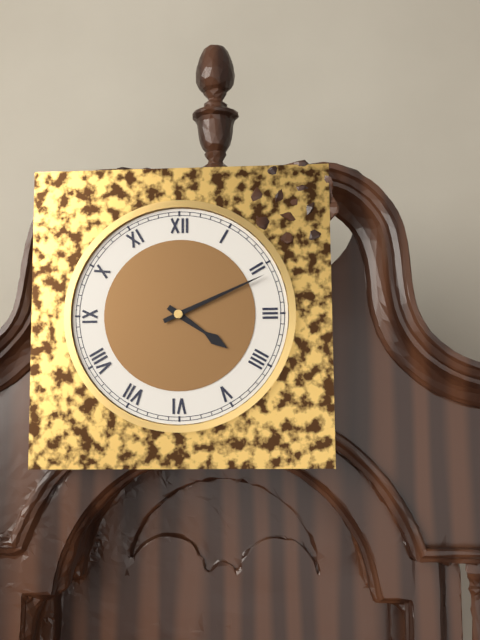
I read **4:11**
